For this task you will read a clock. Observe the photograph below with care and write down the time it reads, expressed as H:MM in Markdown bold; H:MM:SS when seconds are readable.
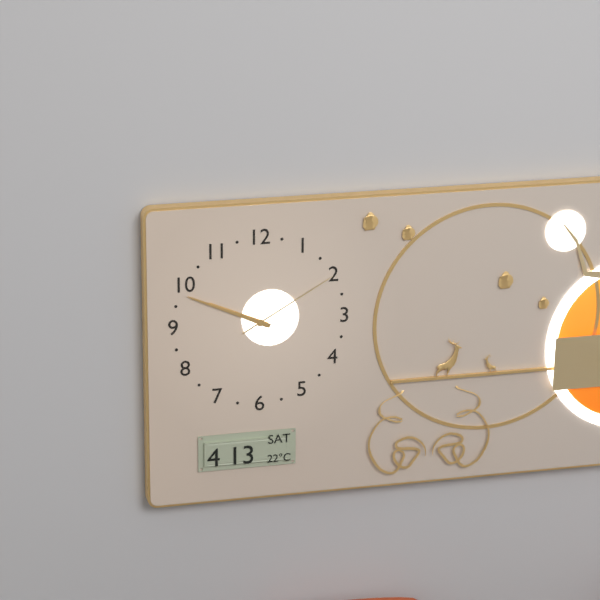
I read **9:49:10**
